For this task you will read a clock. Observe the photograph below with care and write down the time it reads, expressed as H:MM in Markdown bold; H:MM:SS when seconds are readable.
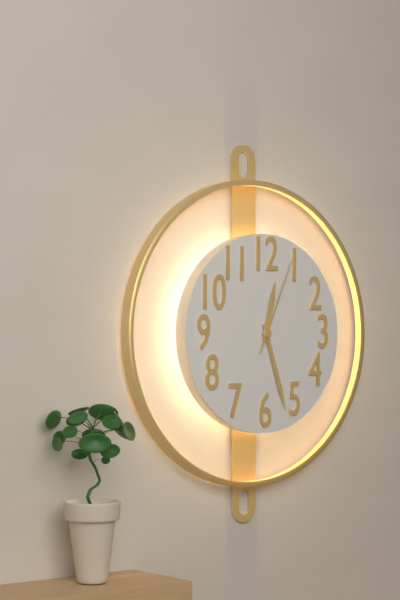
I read **12:27:04**
